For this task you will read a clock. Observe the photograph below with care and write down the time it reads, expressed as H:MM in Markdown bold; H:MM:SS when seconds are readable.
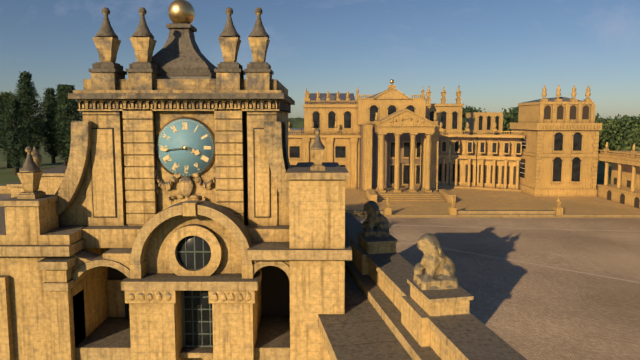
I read **3:44**
